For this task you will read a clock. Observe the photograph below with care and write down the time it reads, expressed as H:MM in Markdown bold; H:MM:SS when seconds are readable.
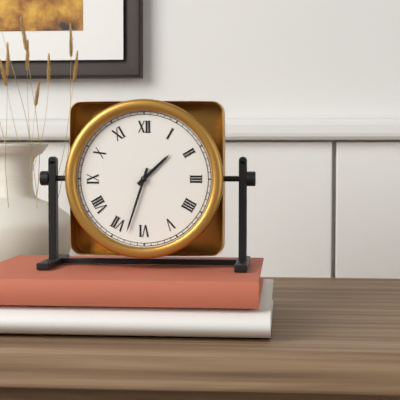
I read **1:33**
